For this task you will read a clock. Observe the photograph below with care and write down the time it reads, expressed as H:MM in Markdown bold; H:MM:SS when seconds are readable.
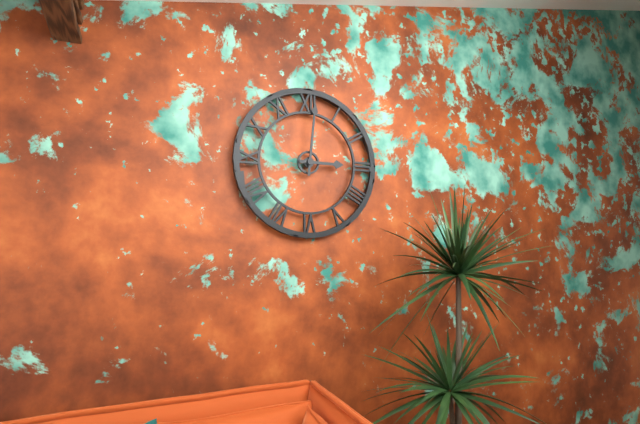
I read **3:01**
